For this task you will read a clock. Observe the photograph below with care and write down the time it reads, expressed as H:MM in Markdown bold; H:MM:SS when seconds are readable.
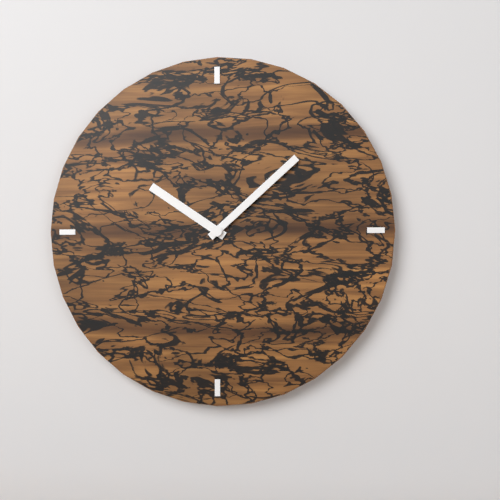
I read **10:08**
